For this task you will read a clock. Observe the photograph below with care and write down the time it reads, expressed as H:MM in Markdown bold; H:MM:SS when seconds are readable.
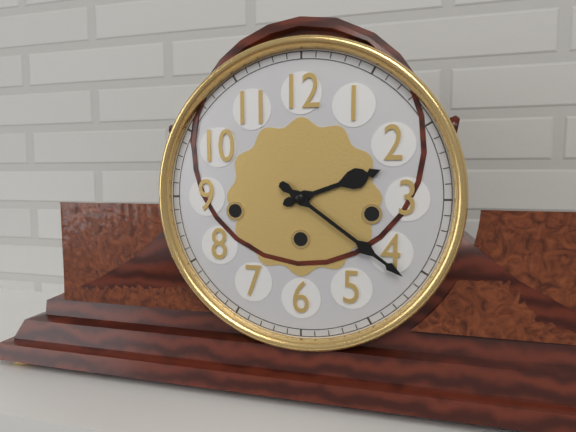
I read **2:21**
